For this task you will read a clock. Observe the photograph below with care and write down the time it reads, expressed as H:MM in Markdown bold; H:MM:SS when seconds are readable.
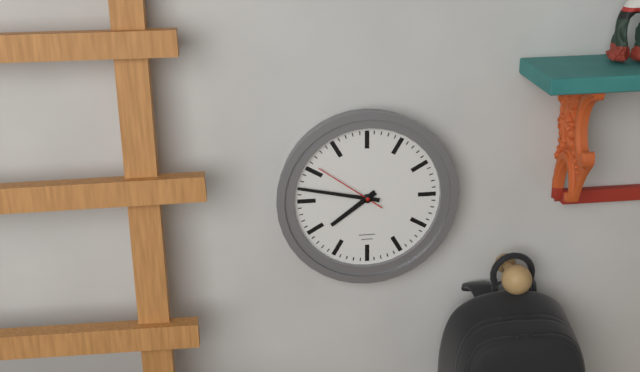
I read **7:47:51**
